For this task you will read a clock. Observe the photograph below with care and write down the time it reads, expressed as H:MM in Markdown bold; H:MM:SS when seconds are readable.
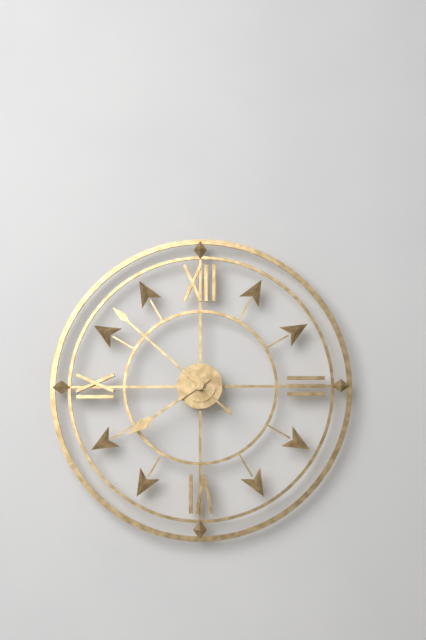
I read **7:52**
